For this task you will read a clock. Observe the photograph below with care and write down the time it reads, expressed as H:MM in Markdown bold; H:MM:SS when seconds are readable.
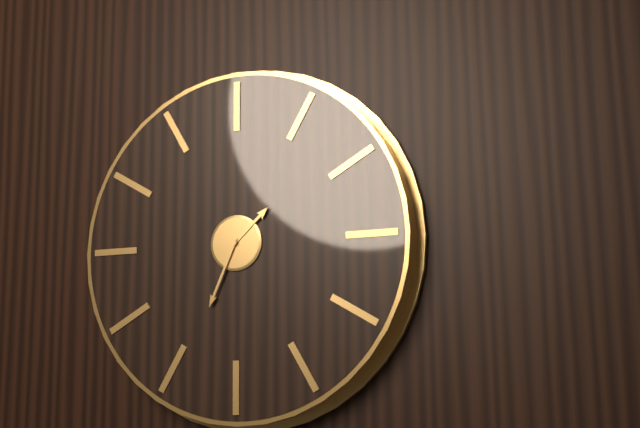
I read **1:34**
